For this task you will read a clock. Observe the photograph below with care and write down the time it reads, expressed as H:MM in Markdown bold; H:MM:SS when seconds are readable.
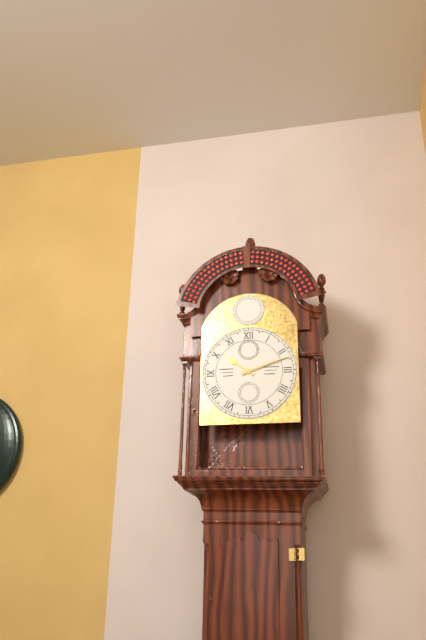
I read **10:12**
